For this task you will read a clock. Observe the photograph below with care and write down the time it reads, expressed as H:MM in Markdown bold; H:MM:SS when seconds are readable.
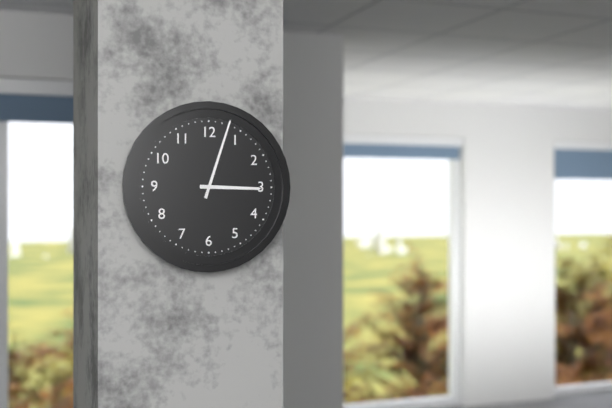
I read **3:03**
